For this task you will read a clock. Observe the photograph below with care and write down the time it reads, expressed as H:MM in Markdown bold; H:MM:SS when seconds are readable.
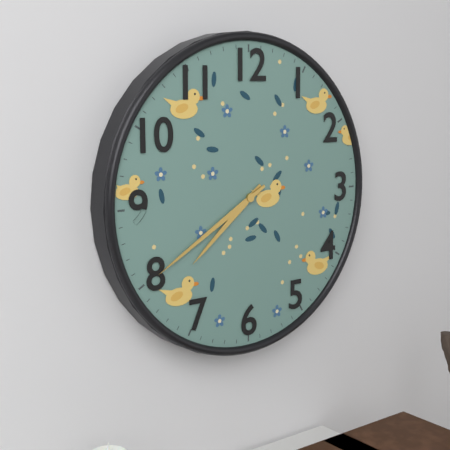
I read **7:40**
